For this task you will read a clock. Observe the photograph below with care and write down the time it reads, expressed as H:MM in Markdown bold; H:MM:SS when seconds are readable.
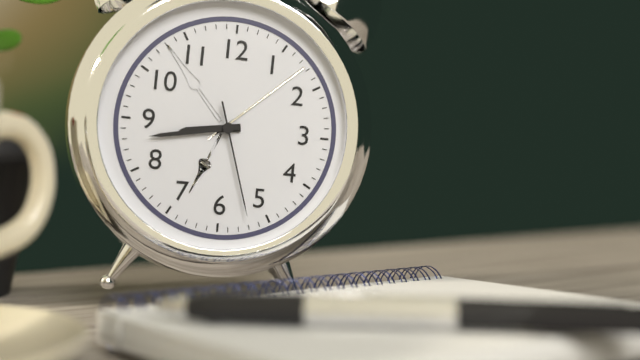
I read **8:43:27**
